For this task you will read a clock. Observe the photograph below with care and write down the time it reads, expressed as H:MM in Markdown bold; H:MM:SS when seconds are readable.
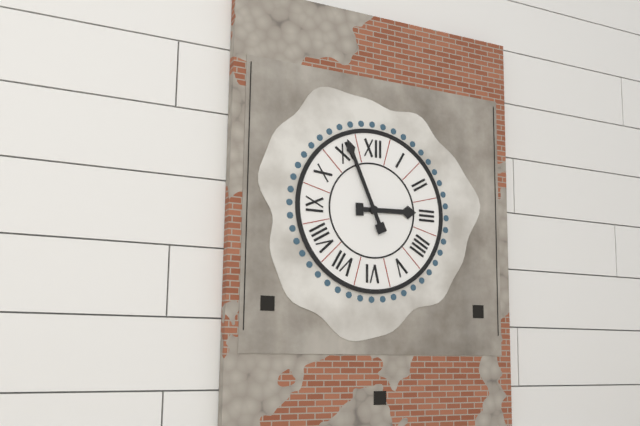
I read **2:56**
